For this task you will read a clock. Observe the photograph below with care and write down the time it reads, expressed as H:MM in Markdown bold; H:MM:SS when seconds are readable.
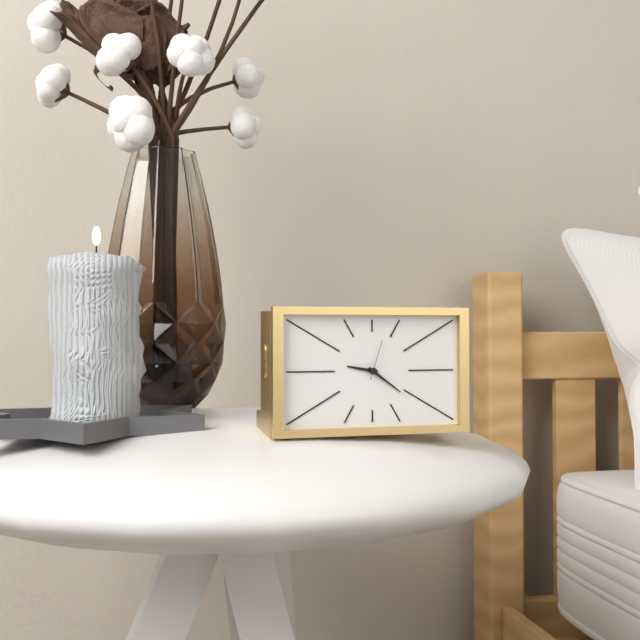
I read **9:21**
